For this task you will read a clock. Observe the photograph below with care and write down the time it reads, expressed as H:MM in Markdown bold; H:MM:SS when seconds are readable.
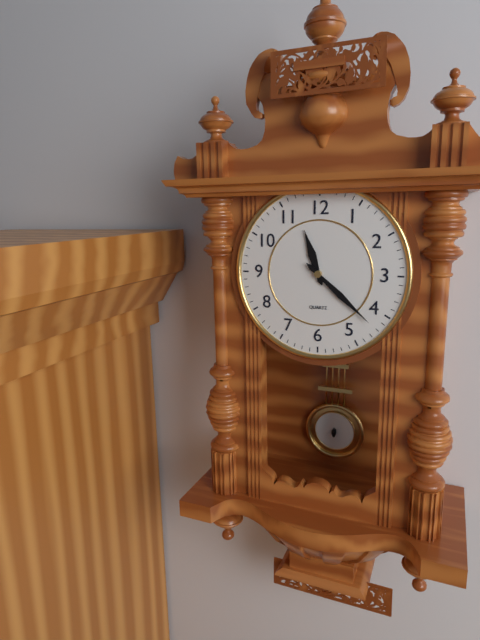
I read **11:22**
